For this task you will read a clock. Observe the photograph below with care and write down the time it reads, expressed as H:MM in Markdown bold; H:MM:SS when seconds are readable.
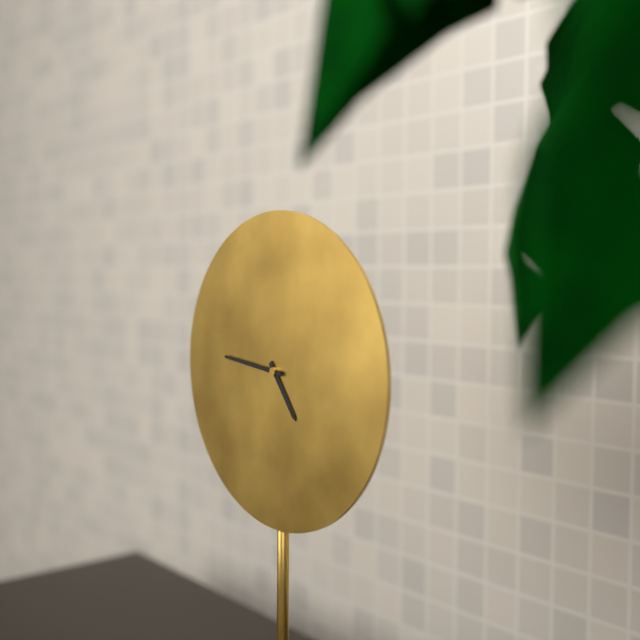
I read **4:46**
